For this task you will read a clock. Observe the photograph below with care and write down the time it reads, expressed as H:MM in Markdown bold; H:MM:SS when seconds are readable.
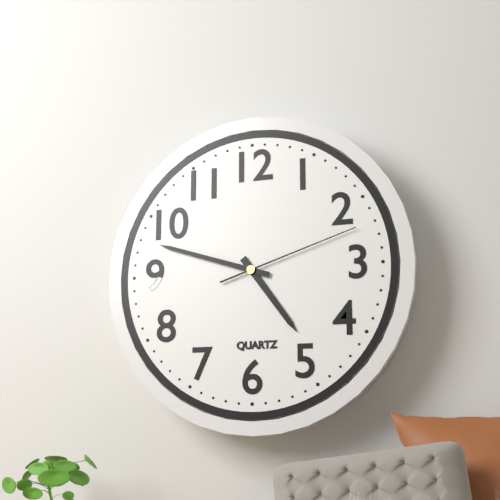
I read **4:48:12**
